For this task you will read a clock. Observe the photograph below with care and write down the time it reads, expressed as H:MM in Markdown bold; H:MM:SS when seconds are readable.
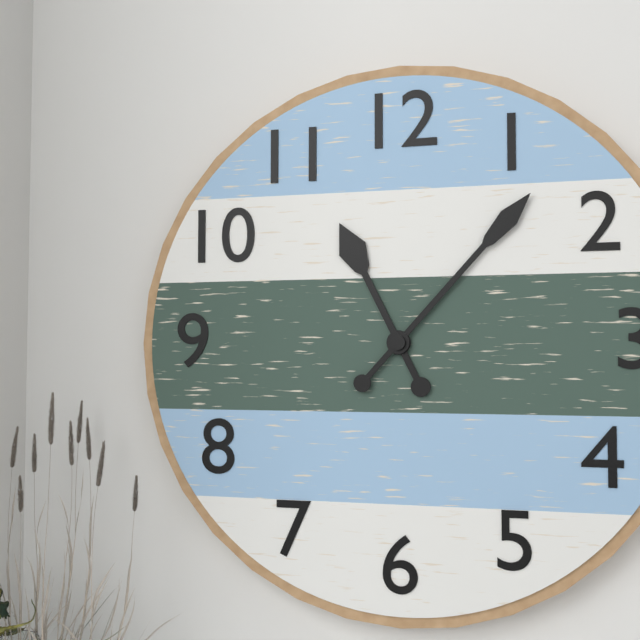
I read **11:07**
